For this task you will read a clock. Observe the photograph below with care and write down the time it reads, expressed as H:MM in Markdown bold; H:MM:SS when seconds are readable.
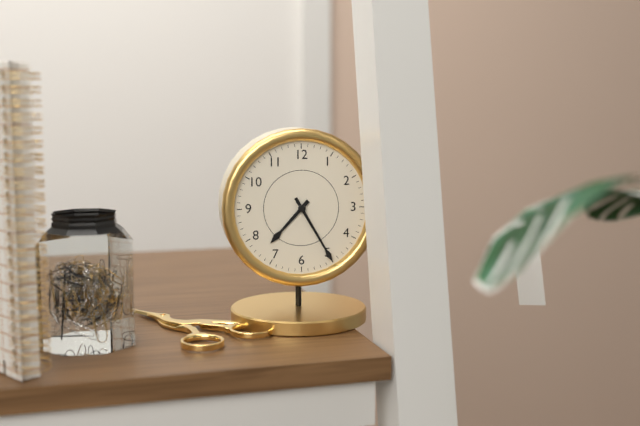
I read **7:25**
